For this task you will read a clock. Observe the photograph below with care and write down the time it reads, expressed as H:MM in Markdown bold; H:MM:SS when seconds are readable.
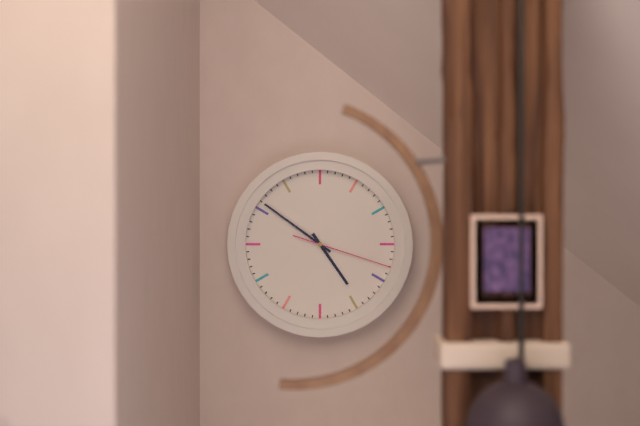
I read **4:51:18**
